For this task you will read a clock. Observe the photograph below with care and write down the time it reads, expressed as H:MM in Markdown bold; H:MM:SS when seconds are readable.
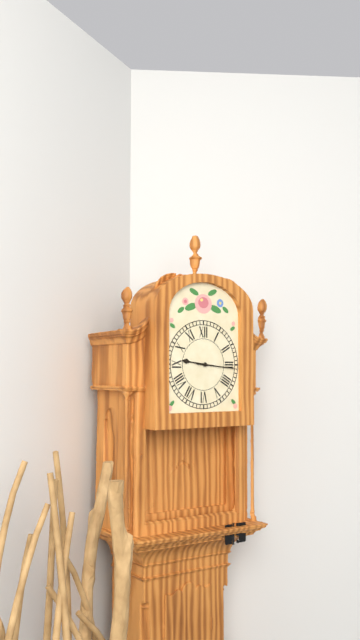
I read **9:16**
